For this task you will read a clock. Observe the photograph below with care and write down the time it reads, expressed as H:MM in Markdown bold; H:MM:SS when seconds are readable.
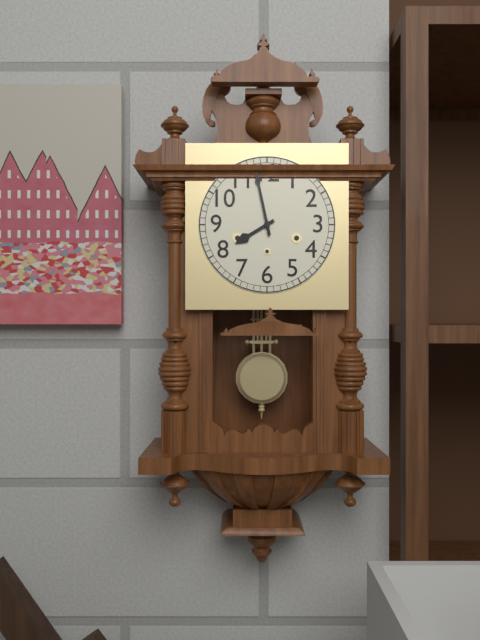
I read **7:58**
